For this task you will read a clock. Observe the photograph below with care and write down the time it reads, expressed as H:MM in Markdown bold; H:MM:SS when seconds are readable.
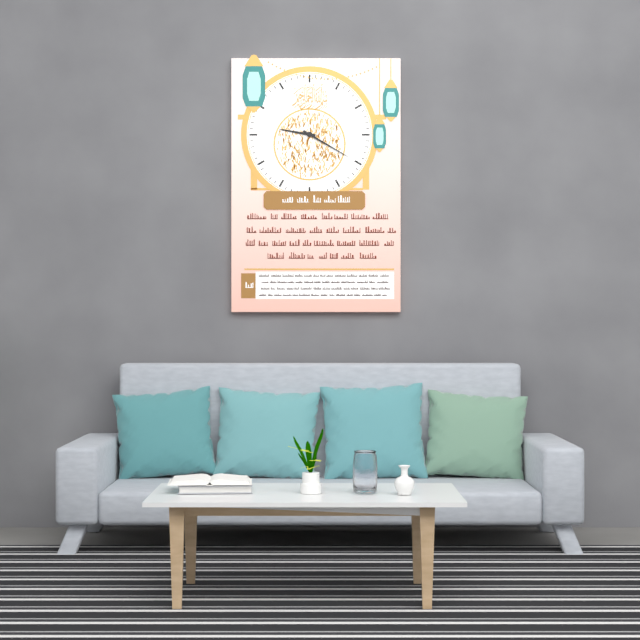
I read **9:20**
